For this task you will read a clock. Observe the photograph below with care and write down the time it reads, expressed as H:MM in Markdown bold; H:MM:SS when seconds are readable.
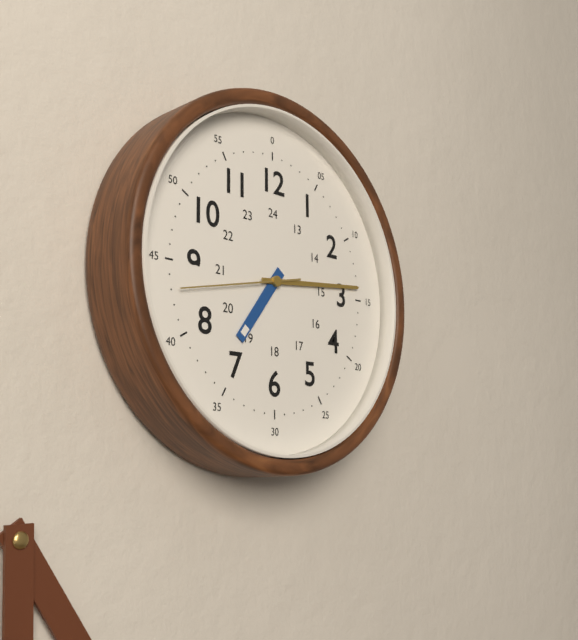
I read **7:14:43**
